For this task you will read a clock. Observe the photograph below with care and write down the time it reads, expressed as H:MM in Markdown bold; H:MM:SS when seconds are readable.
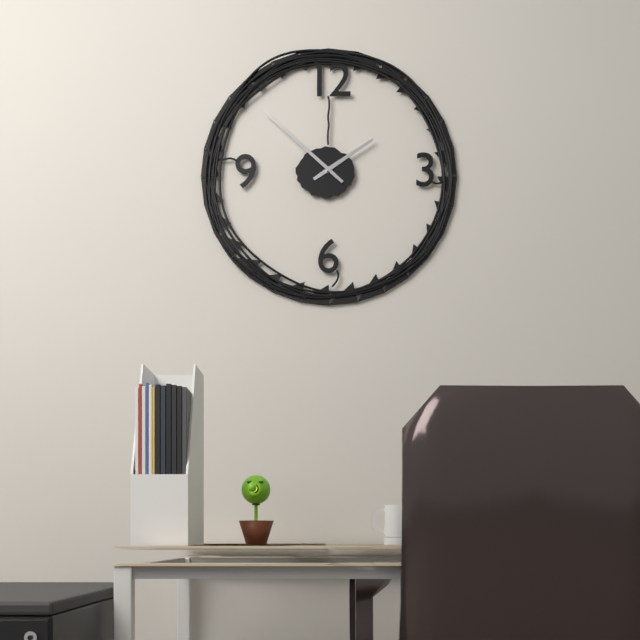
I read **1:52**
